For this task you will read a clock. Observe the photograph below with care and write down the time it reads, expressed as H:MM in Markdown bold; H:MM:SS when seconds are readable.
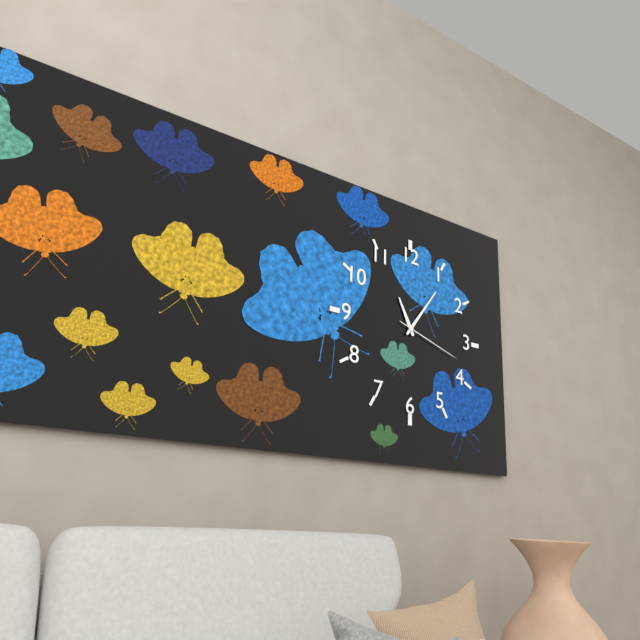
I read **11:06:18**
